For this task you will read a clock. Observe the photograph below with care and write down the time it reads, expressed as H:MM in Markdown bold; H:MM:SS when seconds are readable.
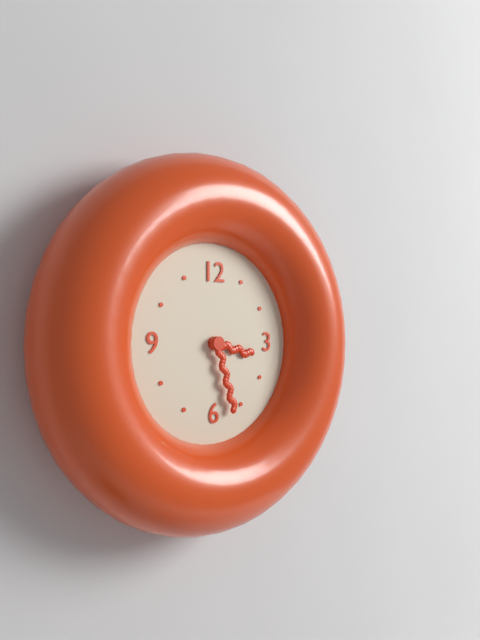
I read **3:27**
